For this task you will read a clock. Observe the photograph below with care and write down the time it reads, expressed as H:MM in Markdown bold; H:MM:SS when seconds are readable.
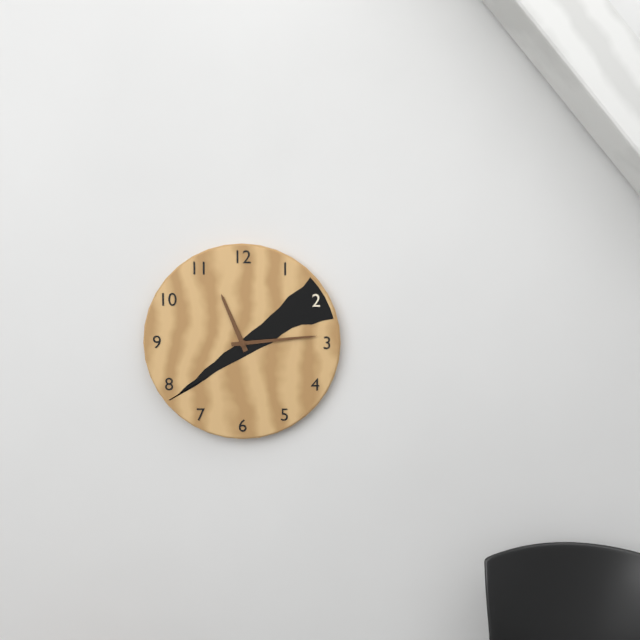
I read **11:14**
